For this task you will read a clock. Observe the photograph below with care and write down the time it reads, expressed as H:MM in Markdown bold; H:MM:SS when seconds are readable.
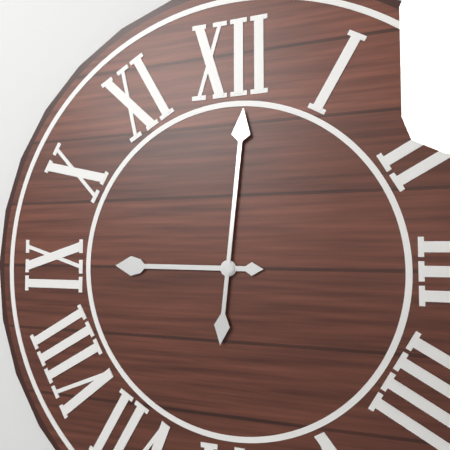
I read **9:01**
